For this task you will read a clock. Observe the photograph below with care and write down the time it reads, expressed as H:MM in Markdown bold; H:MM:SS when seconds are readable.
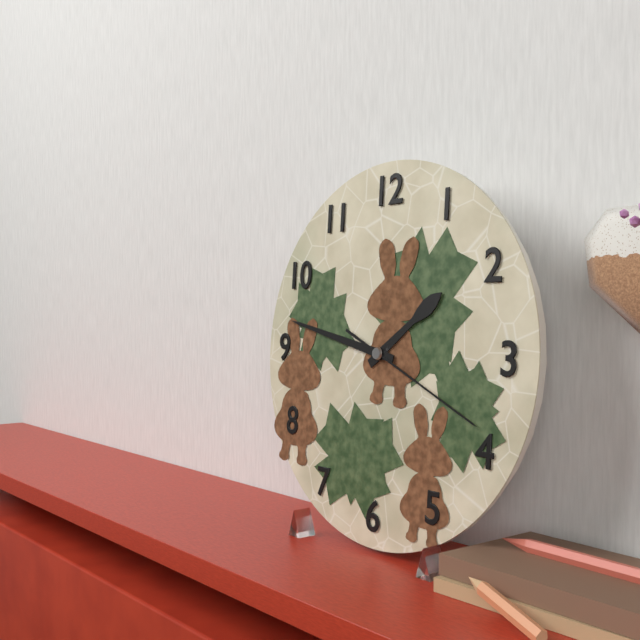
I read **1:47:19**
